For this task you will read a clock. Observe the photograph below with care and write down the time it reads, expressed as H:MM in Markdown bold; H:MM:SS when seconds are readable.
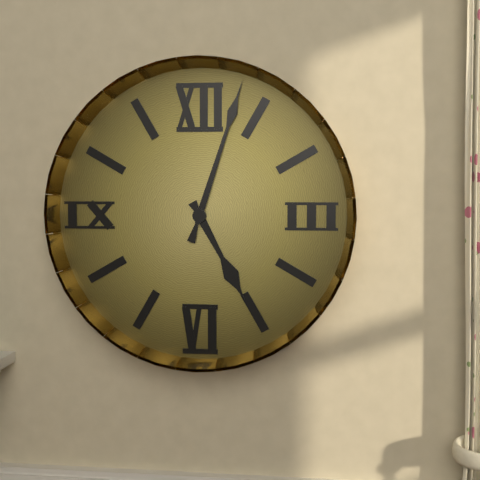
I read **5:03**
